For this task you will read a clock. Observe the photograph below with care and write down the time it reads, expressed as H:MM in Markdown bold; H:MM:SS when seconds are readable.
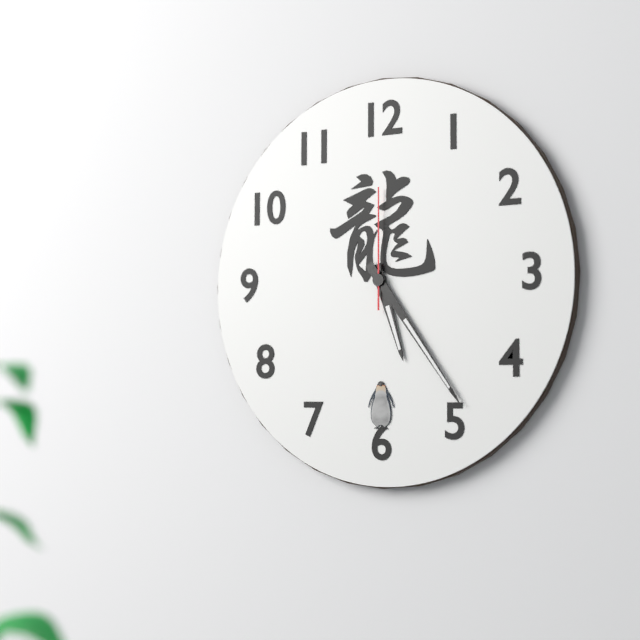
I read **5:24:00**
